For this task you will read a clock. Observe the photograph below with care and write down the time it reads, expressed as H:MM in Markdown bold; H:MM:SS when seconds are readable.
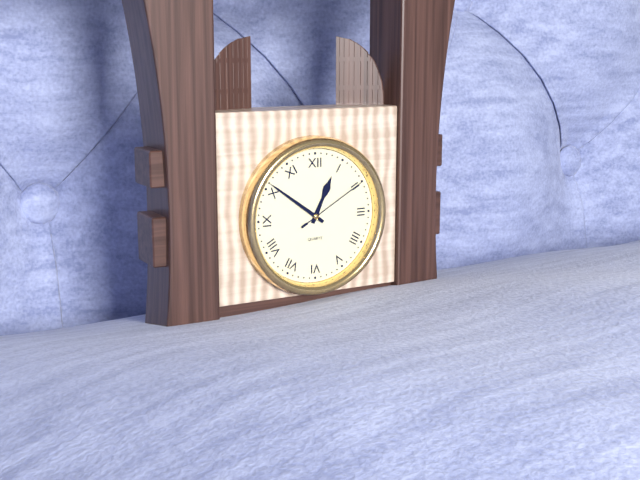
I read **12:51:10**
